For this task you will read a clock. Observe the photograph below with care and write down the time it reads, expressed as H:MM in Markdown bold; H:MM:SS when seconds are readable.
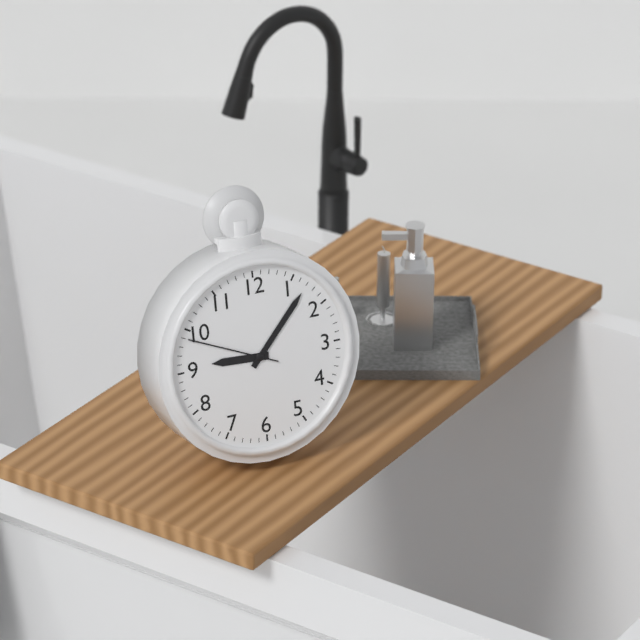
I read **9:07:49**
